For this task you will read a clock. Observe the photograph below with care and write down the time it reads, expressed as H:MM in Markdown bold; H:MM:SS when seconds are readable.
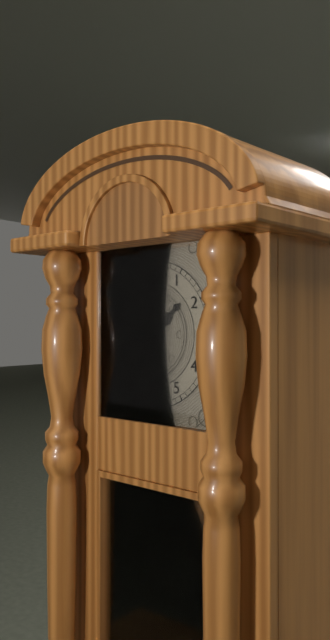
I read **1:38**
